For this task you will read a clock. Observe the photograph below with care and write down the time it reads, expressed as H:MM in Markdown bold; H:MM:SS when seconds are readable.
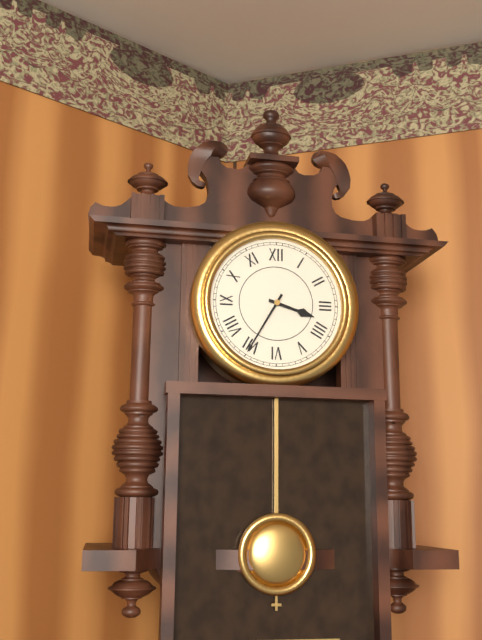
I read **3:35**
